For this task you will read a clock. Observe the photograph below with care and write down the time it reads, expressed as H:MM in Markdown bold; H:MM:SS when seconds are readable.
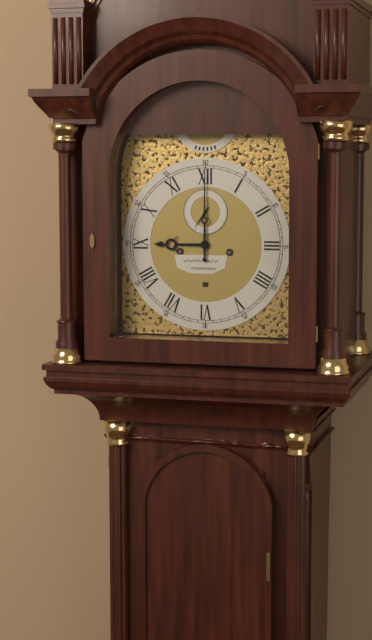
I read **9:00**
